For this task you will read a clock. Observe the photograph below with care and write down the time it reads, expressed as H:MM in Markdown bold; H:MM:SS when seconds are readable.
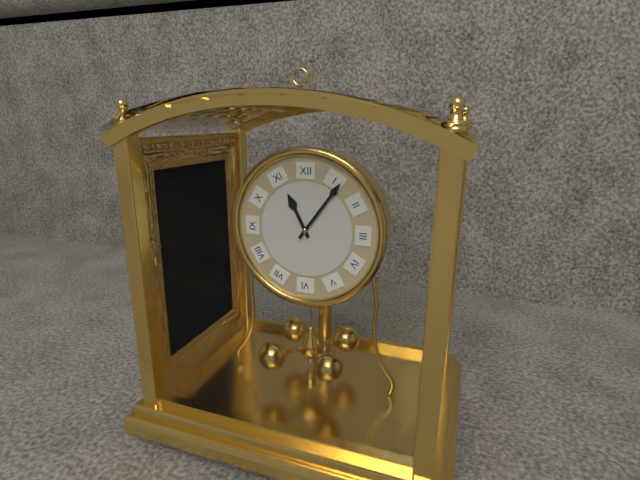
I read **11:06**
